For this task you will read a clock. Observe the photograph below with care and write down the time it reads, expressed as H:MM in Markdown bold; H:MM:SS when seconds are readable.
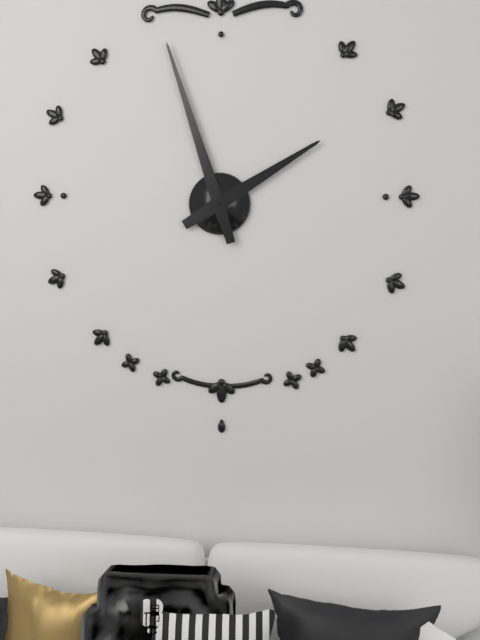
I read **1:57**
